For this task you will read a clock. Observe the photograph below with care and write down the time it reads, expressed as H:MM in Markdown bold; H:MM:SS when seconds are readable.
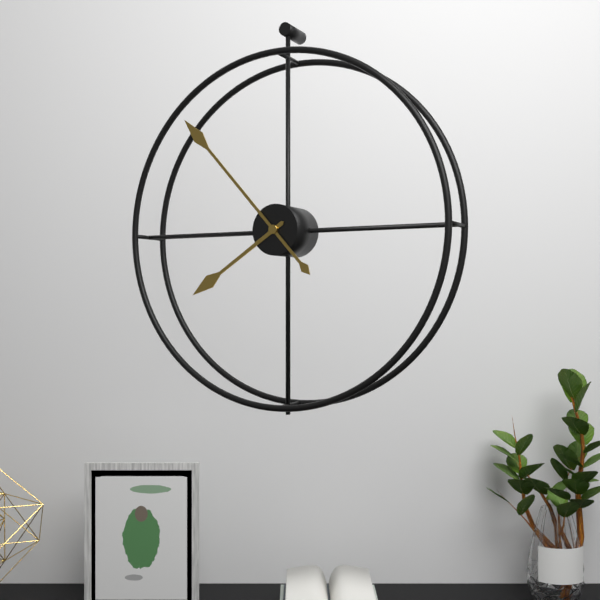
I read **7:53**
